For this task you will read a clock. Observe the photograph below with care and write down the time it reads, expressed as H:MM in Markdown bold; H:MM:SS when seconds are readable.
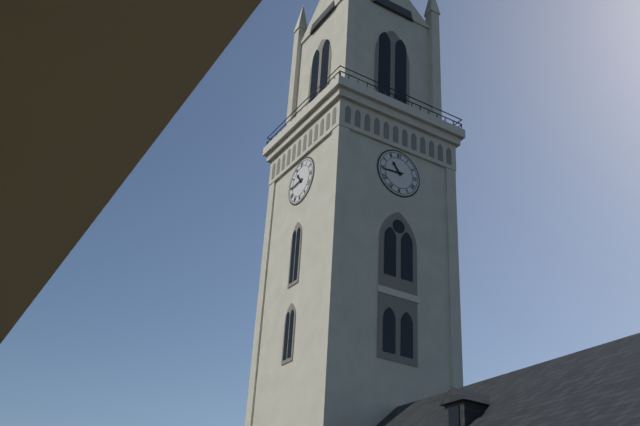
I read **10:44**
